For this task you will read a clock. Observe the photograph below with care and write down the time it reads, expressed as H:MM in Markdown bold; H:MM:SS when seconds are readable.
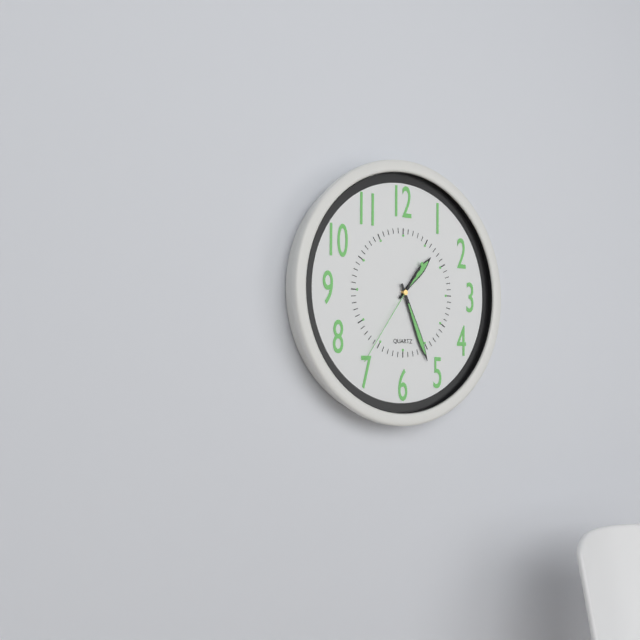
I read **1:26:36**
